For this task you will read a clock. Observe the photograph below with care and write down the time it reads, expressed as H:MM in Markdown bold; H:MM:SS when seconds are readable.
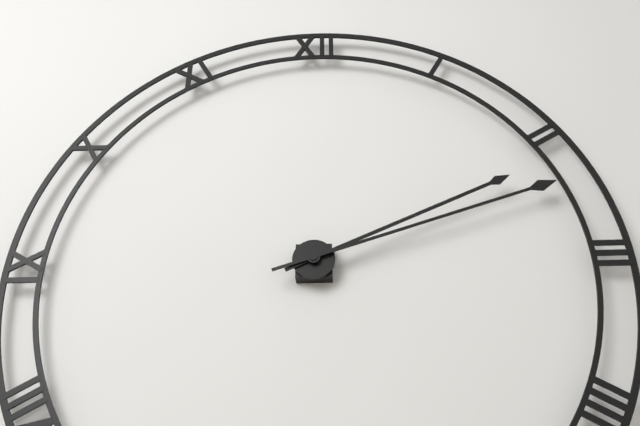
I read **2:12**
